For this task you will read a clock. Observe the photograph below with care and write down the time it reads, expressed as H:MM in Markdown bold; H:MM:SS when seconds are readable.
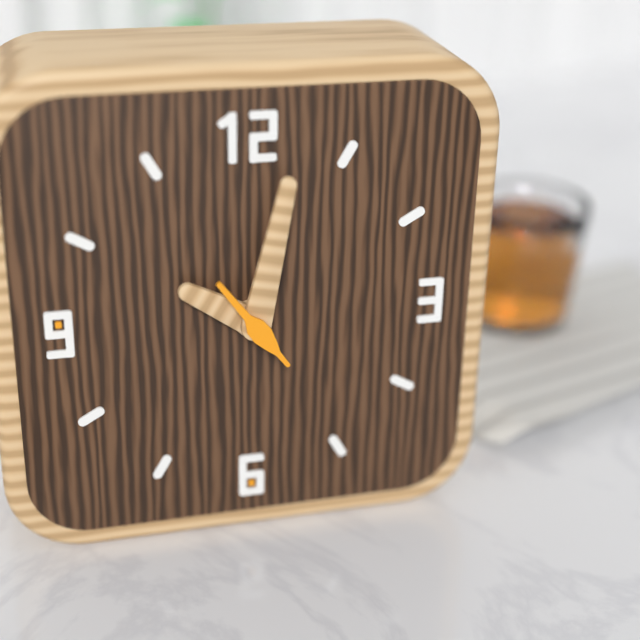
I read **10:02:54**
